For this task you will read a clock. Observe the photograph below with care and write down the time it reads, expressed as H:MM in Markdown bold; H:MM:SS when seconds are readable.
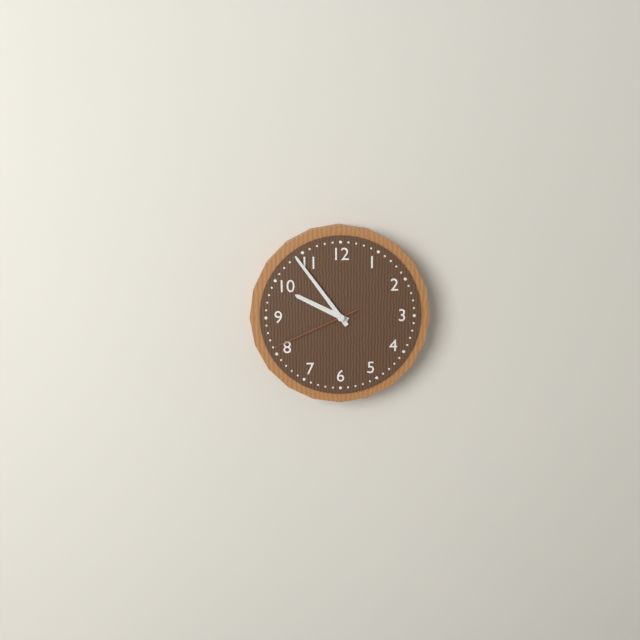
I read **9:54:41**
